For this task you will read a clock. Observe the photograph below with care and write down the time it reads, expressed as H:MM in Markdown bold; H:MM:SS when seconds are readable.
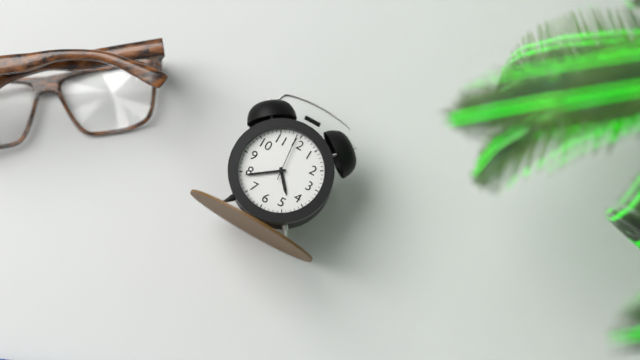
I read **4:39**
